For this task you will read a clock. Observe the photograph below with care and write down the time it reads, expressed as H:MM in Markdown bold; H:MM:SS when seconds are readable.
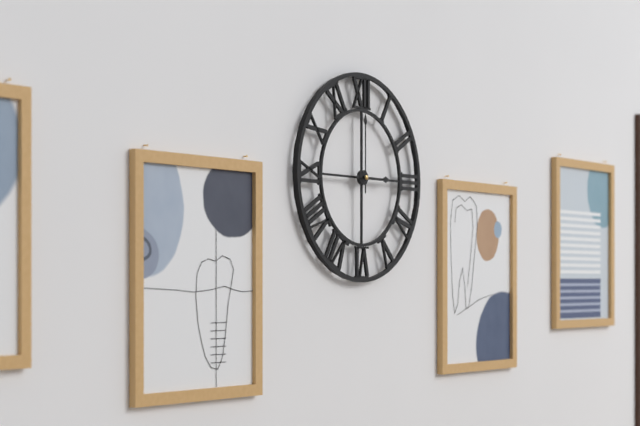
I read **3:00**
